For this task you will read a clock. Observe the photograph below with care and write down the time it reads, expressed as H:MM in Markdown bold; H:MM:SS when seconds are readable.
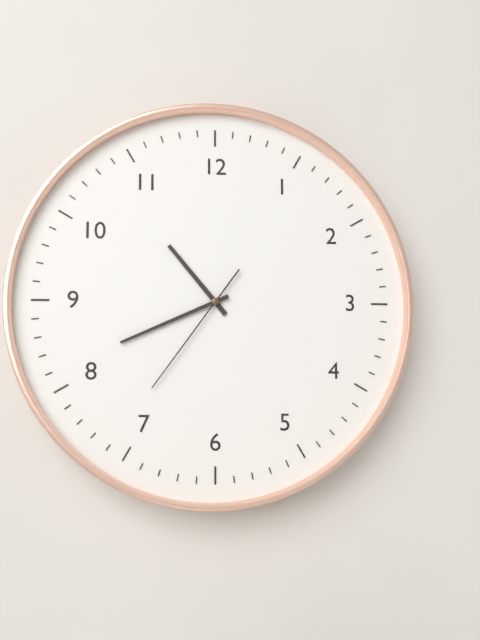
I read **10:41:36**
